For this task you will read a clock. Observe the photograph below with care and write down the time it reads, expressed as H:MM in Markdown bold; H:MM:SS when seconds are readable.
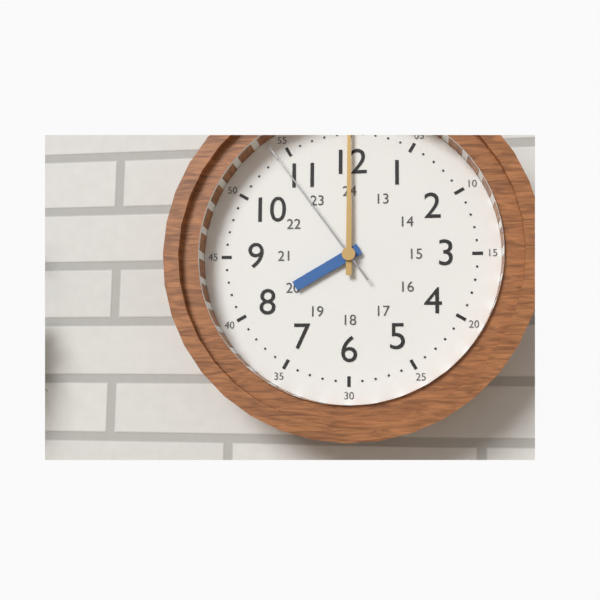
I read **8:00:54**
